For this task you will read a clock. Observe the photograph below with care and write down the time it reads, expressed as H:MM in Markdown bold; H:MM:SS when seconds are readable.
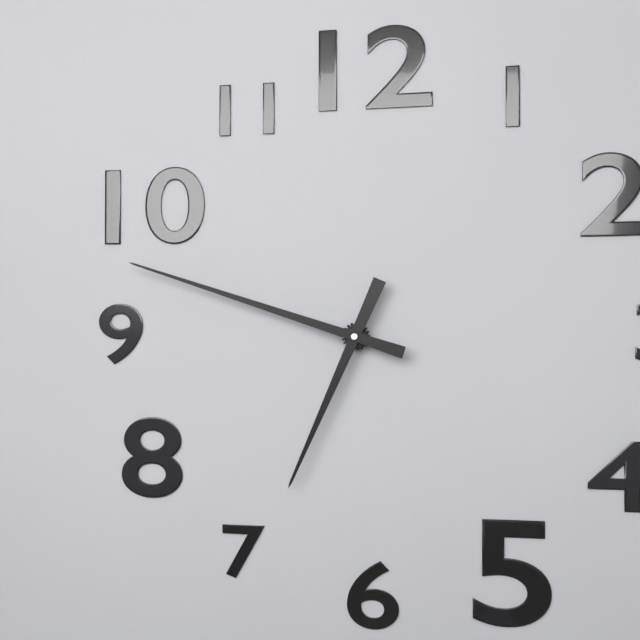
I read **6:48**
